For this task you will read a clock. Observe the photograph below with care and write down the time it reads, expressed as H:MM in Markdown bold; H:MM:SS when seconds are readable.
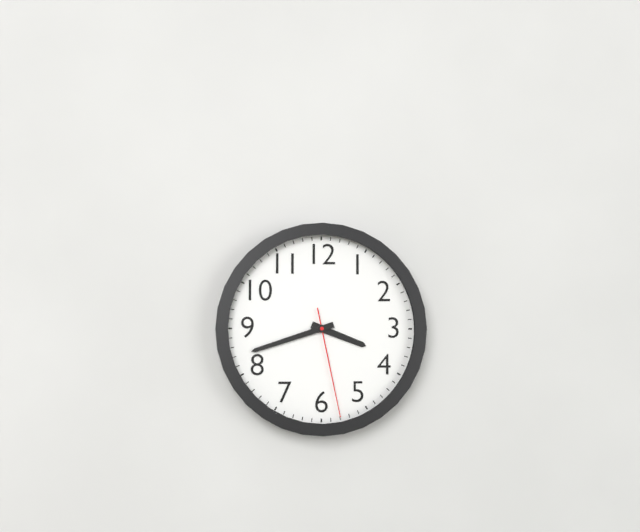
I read **3:42:28**
